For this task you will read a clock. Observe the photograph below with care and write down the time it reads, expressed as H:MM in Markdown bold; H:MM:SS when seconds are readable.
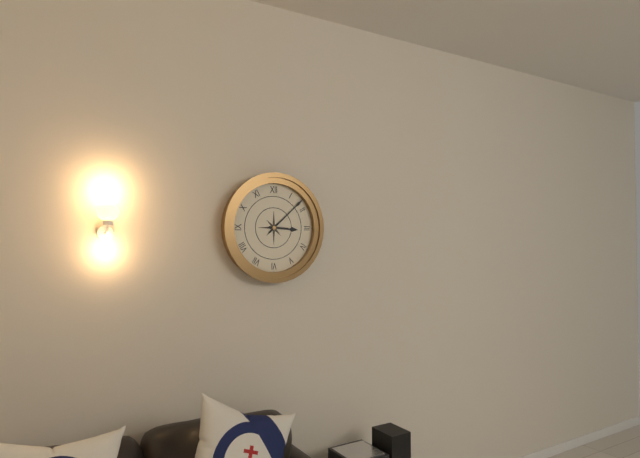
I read **3:08**
